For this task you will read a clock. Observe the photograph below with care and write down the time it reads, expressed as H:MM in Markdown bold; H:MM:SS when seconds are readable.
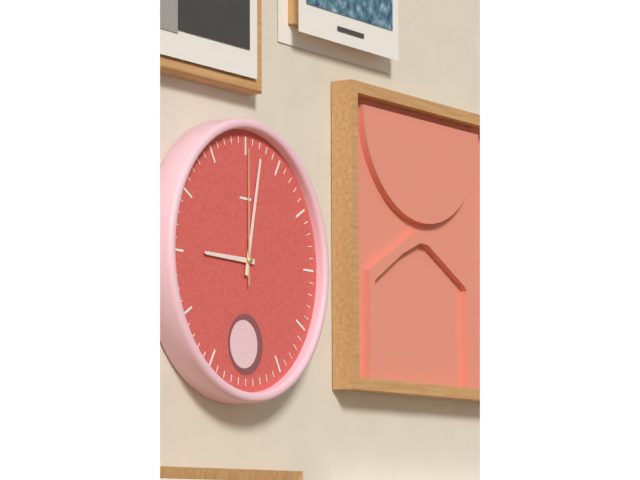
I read **9:02:00**
